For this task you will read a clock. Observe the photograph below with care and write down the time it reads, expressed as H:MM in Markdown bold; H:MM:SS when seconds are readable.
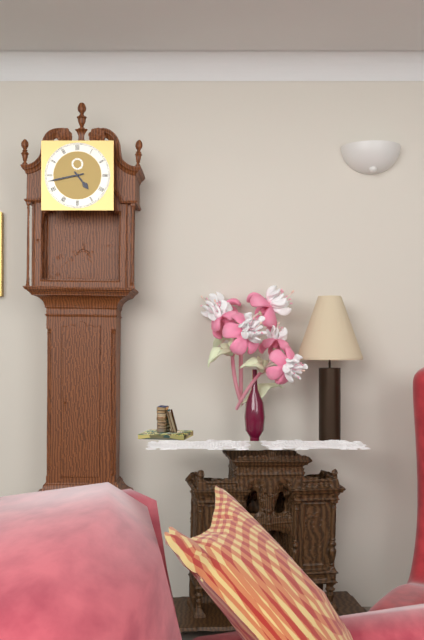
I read **4:43**
